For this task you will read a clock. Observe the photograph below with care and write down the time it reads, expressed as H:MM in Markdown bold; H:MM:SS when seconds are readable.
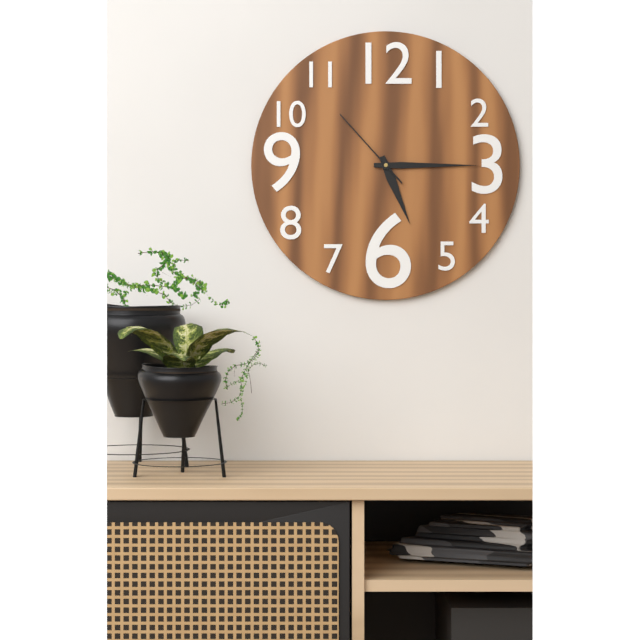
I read **5:15:53**
